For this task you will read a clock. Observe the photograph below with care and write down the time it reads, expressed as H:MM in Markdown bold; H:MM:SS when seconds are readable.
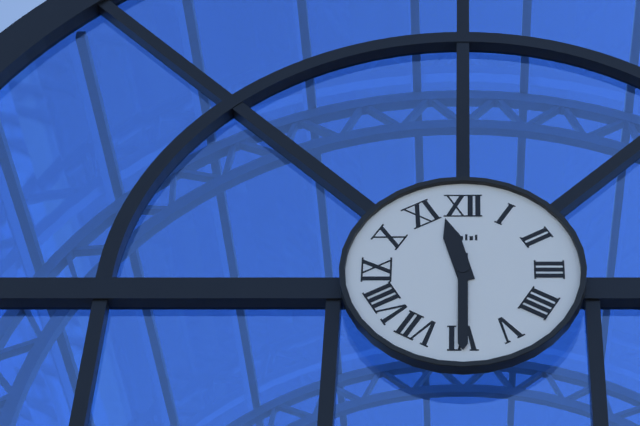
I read **11:30**
